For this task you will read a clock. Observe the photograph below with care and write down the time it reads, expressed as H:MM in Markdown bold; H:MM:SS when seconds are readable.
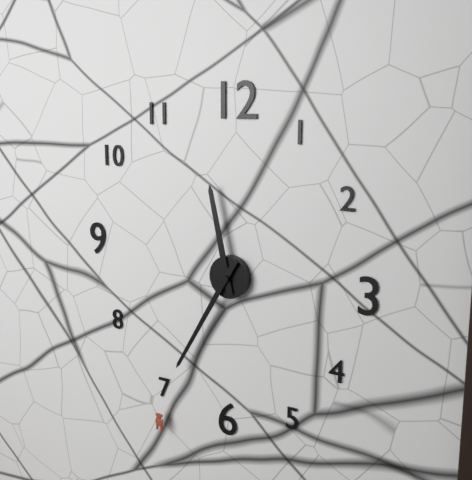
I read **11:35**
